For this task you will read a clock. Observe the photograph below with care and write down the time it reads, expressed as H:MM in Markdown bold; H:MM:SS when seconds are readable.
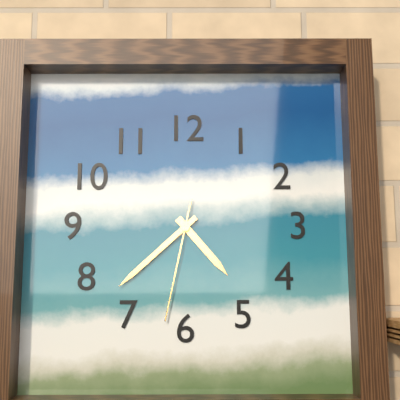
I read **4:38:32**
